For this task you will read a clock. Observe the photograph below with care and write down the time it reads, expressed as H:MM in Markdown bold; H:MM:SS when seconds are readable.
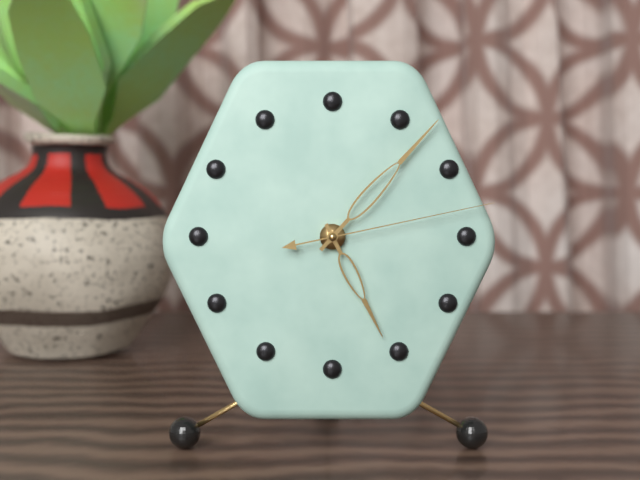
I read **5:07:13**
